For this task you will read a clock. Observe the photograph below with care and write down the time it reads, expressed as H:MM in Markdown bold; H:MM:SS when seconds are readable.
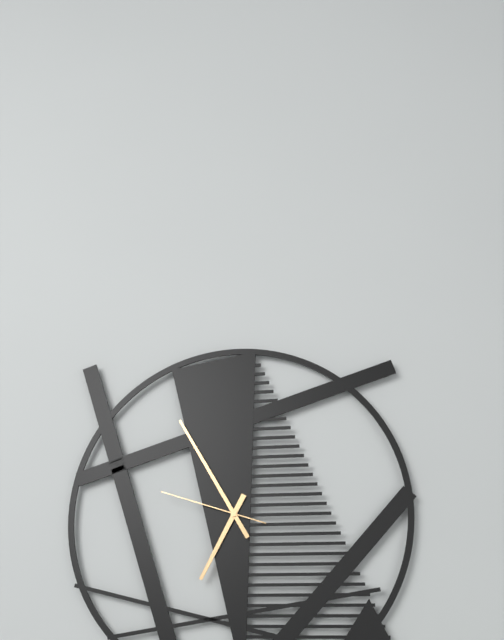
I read **6:55:48**
